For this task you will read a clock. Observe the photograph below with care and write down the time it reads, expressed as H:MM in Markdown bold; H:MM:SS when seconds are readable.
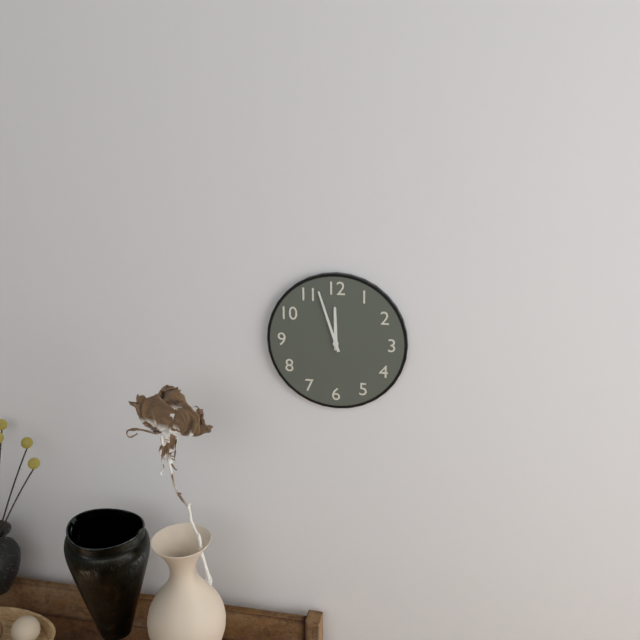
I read **11:57**
